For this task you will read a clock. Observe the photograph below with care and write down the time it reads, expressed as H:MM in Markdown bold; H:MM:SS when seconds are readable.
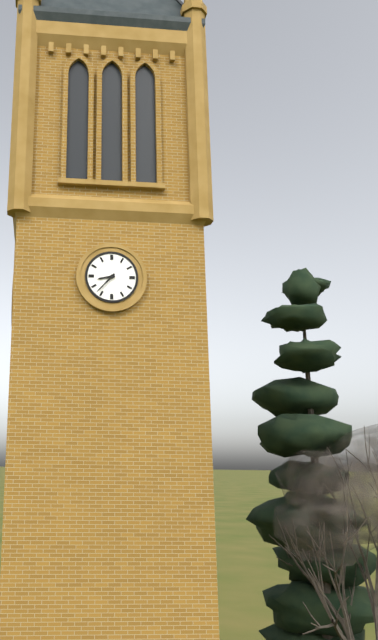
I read **8:37**
